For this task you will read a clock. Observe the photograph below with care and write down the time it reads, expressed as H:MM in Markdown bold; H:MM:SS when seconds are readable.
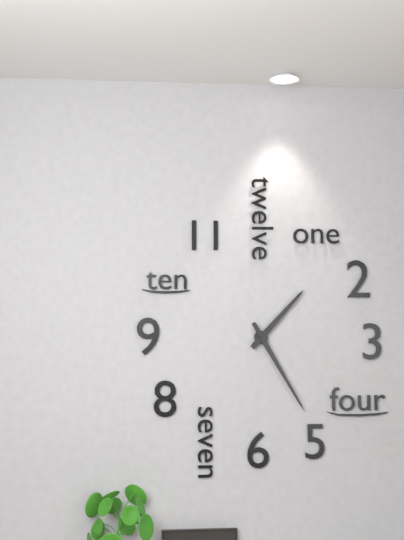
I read **1:25**
